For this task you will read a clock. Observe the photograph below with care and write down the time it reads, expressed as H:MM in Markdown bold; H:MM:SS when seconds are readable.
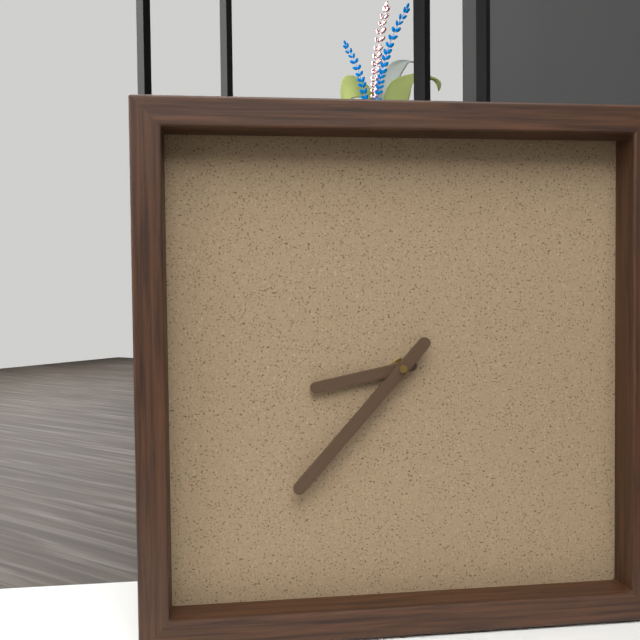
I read **8:37**
